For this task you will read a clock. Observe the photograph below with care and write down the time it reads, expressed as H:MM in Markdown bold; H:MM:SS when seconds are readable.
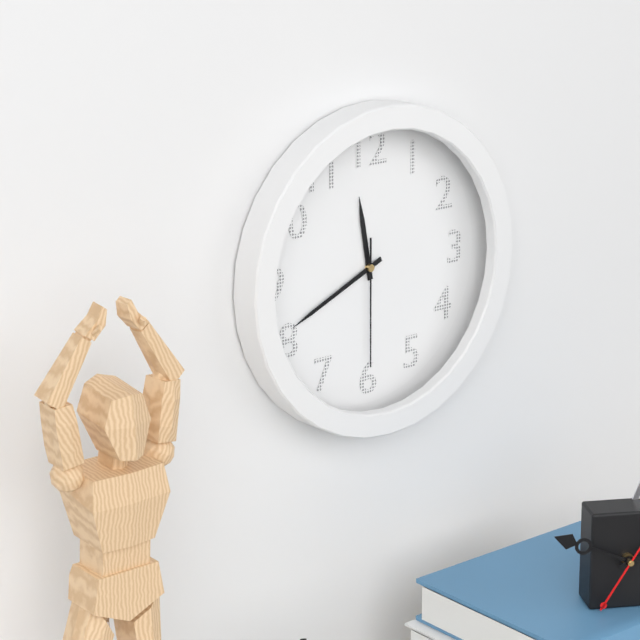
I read **11:41:30**
